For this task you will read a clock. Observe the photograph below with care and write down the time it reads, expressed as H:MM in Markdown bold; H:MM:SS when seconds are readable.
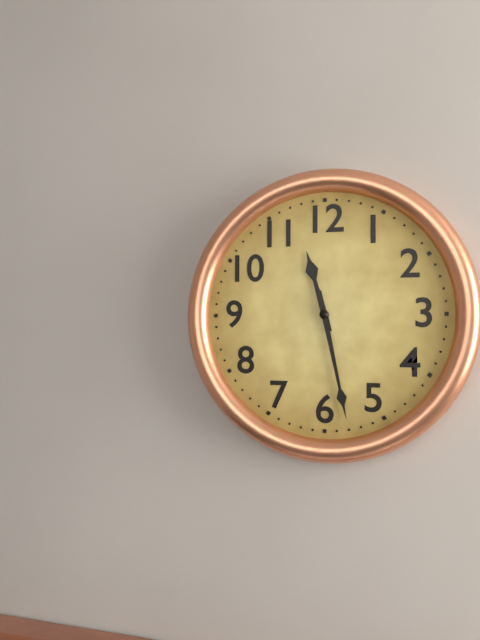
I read **11:28**
